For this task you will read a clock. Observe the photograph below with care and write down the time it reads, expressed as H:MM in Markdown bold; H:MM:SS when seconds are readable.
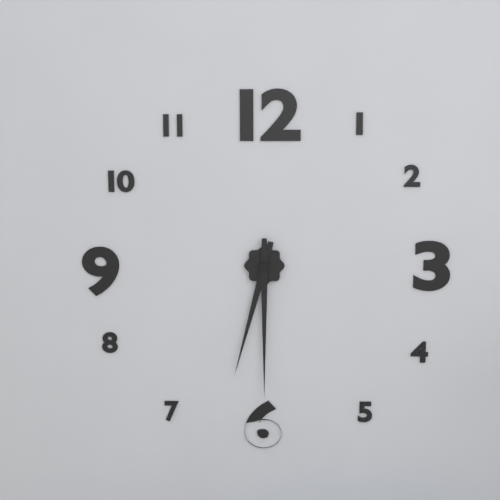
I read **6:30**
